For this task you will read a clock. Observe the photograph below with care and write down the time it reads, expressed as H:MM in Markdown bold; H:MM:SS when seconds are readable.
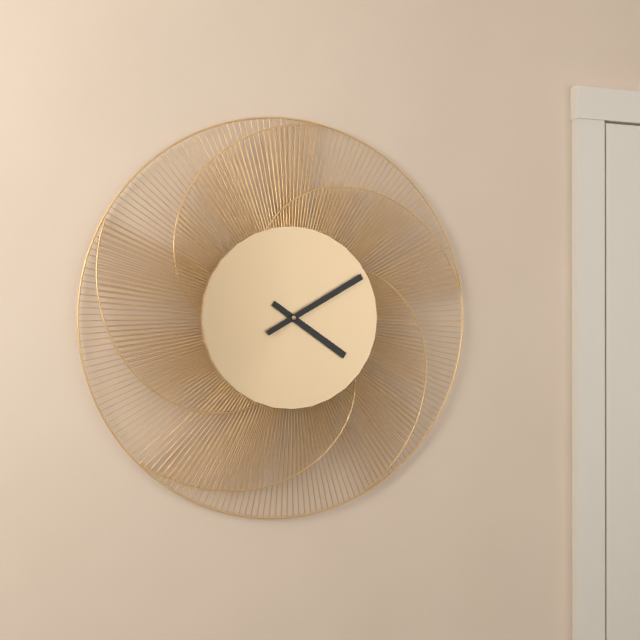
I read **4:10**
